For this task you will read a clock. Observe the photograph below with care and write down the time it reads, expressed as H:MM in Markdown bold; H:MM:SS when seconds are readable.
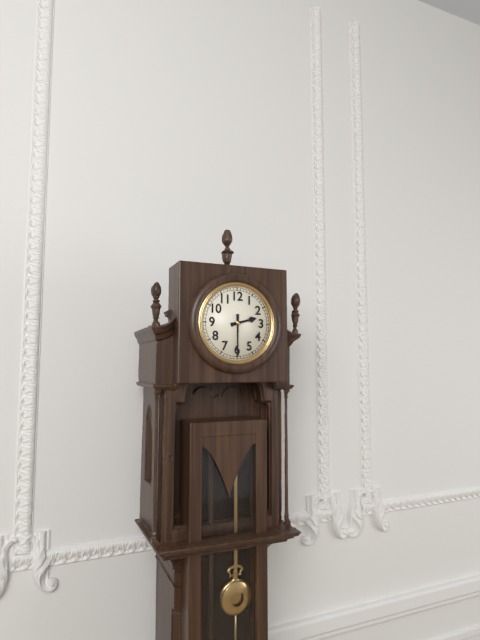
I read **2:30**
